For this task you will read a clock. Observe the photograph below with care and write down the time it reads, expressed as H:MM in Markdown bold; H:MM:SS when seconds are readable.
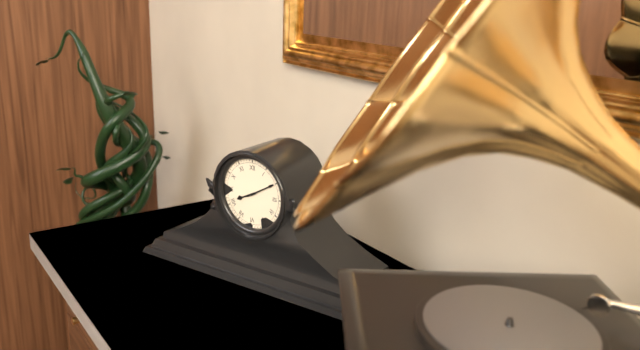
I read **8:10**
